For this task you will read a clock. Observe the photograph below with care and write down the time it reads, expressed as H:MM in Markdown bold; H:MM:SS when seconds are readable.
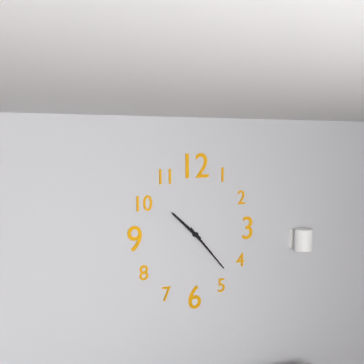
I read **10:23**
